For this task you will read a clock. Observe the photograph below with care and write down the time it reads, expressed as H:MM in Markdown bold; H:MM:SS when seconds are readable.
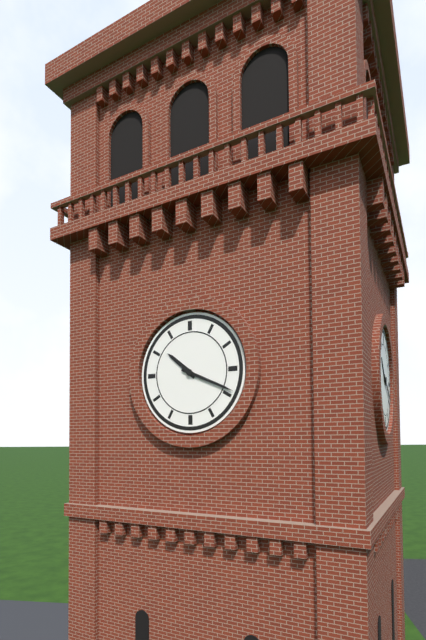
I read **10:19**
